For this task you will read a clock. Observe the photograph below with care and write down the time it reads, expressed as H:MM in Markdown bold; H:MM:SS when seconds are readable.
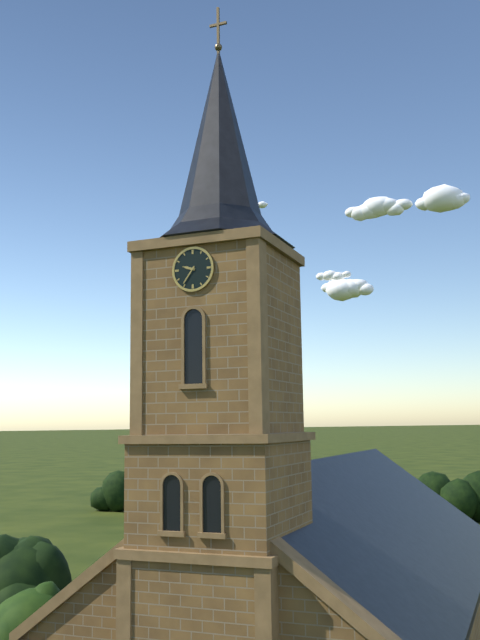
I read **9:36**
